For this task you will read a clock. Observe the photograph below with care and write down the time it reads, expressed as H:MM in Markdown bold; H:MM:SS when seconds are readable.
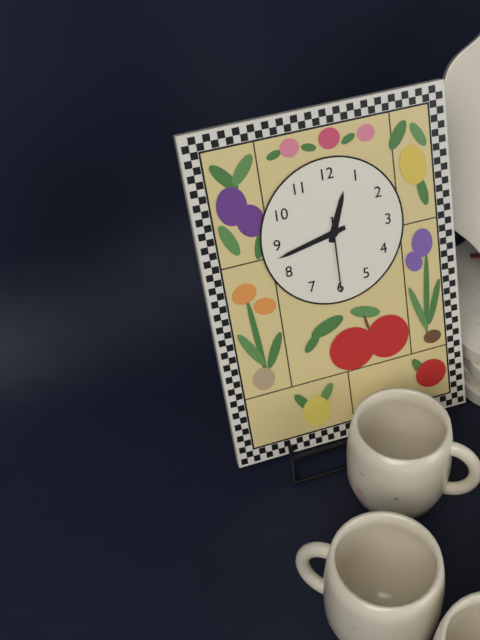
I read **12:43:30**
